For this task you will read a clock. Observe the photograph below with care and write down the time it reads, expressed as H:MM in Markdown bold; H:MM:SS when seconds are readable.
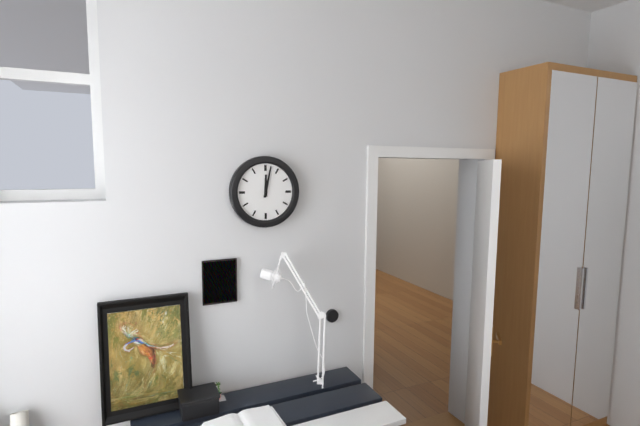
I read **12:02**
